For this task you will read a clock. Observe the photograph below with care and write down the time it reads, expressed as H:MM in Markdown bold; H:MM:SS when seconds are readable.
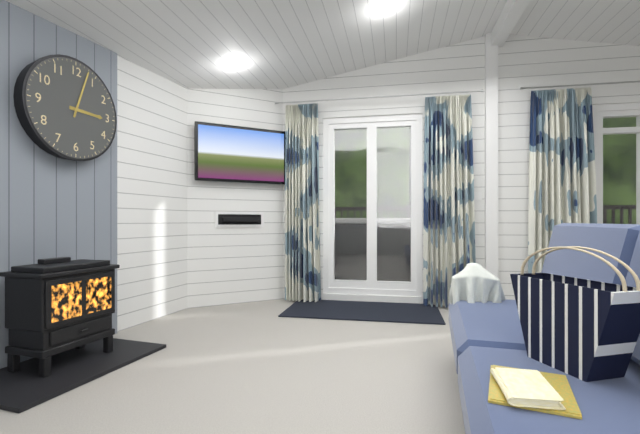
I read **3:03**
